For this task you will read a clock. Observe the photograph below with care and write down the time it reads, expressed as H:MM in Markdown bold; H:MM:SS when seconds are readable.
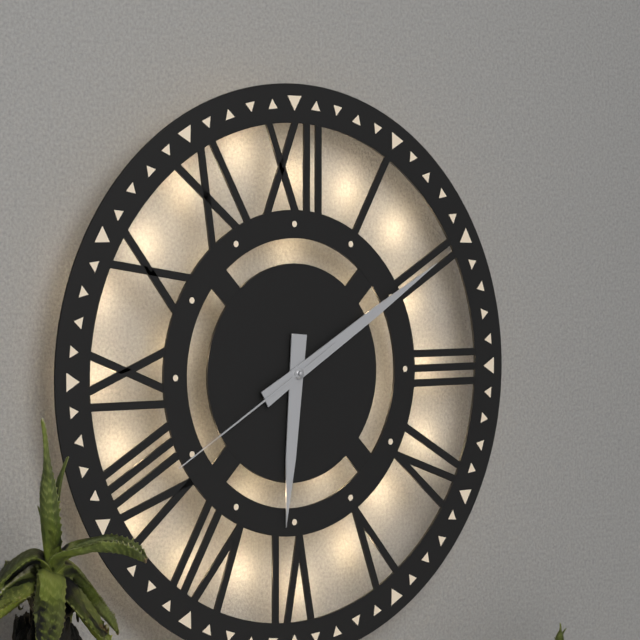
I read **6:10:40**
